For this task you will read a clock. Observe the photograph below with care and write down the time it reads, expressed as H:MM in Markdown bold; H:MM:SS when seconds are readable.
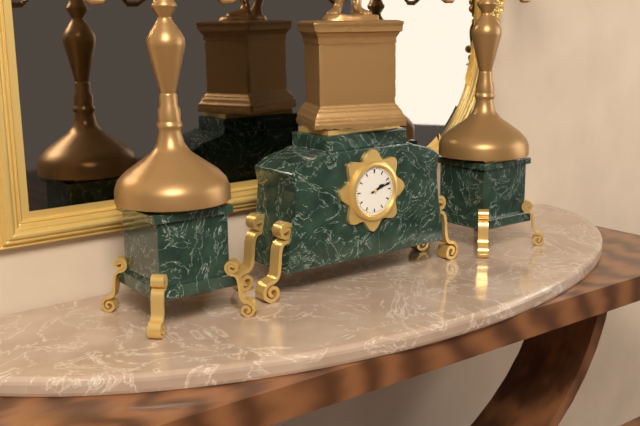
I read **2:12**
